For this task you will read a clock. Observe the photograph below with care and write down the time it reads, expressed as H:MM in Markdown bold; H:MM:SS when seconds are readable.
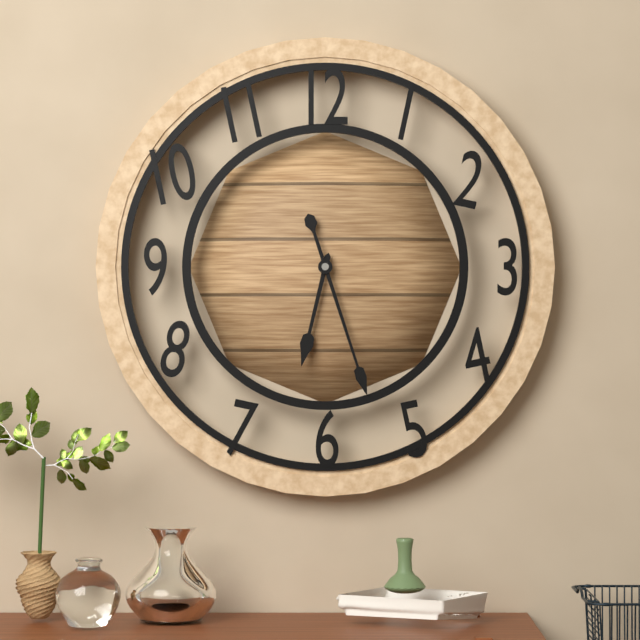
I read **6:27**
